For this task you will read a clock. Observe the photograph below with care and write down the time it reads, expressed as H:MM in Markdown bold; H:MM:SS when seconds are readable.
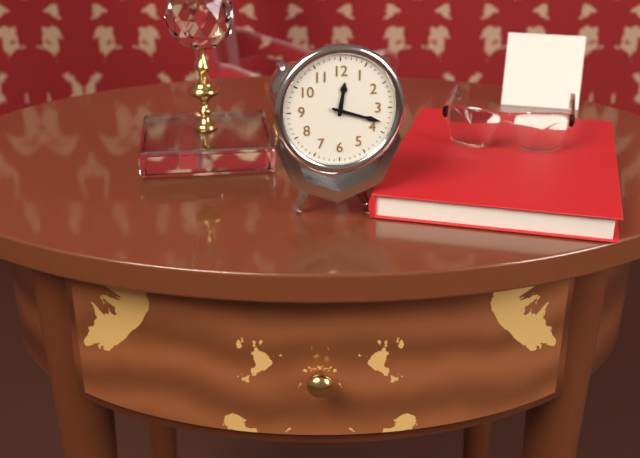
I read **12:18**
